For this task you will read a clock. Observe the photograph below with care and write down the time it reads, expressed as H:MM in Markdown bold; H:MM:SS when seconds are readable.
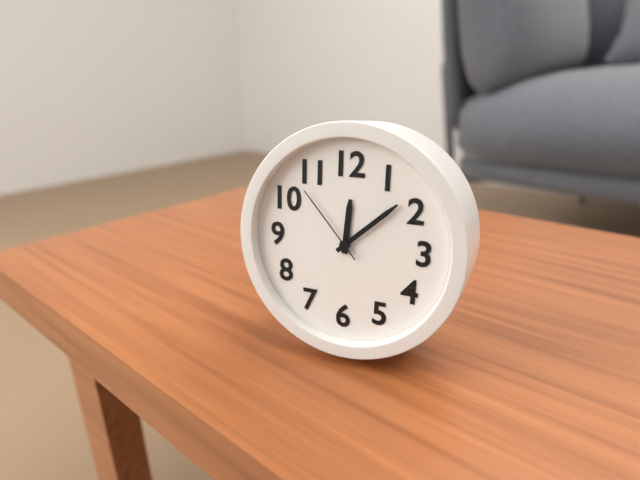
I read **12:08:53**
